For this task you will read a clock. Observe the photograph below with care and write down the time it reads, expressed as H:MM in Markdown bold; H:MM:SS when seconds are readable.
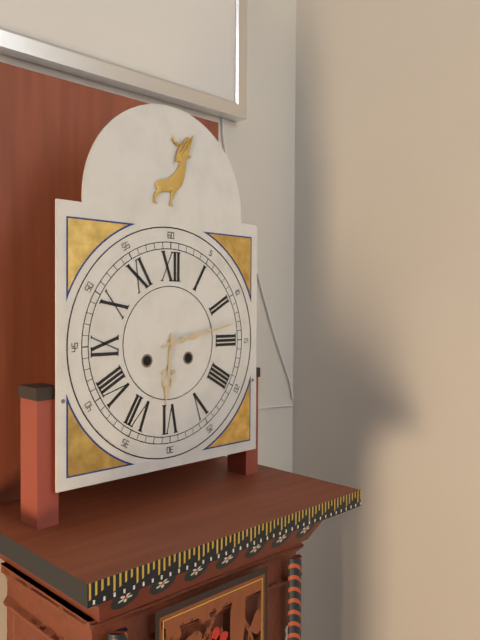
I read **6:13**
